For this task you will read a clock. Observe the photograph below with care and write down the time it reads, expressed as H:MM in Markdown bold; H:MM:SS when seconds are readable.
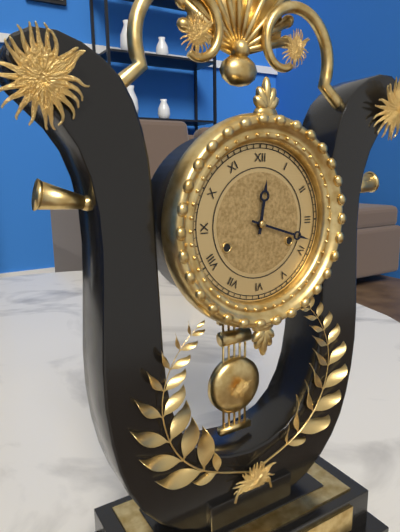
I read **12:18**
